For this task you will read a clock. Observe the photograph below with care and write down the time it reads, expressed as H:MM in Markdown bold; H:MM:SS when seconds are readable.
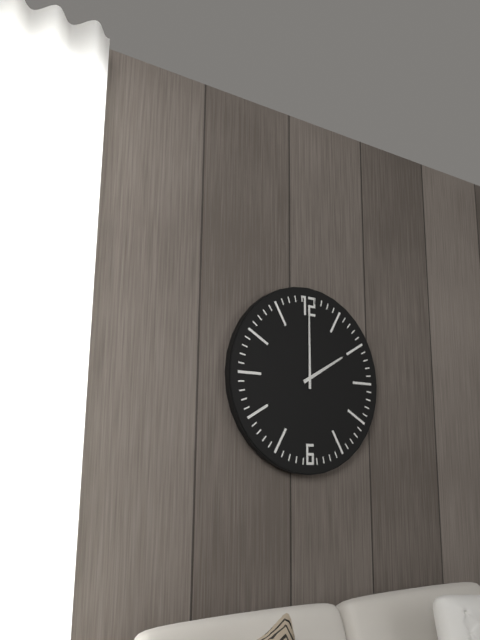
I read **2:00**
